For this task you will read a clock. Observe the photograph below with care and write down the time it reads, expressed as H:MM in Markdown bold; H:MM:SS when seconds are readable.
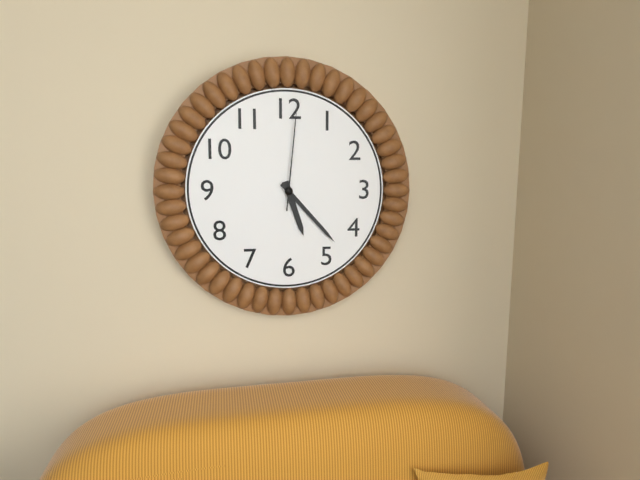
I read **5:23:01**
